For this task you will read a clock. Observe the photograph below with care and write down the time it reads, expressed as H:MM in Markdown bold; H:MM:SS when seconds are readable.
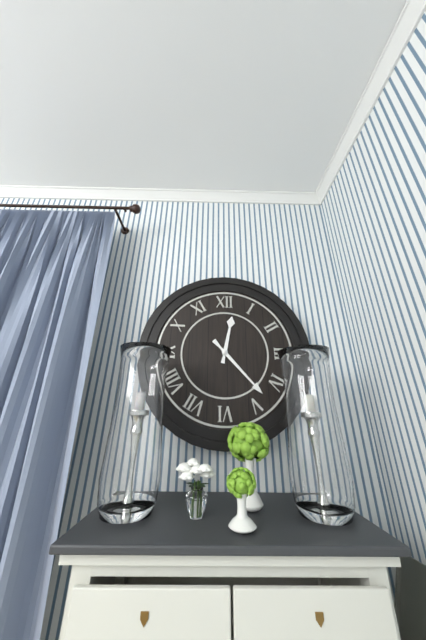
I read **12:23**
